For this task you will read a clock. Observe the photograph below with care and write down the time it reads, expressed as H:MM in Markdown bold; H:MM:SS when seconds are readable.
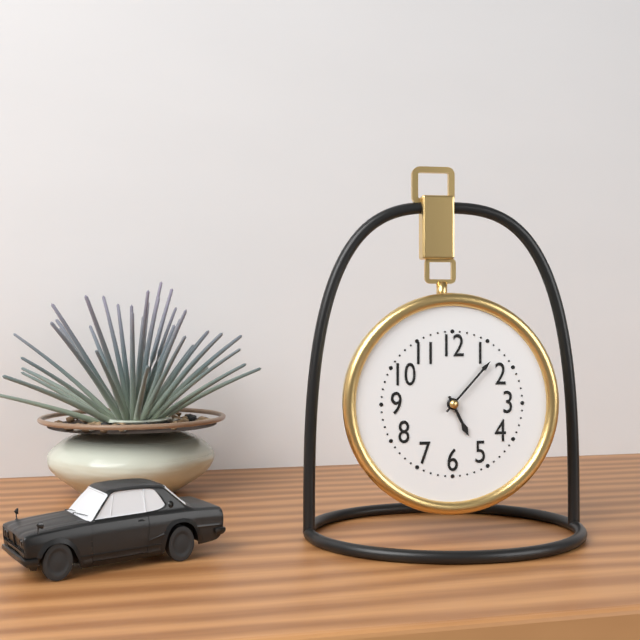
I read **5:07**
